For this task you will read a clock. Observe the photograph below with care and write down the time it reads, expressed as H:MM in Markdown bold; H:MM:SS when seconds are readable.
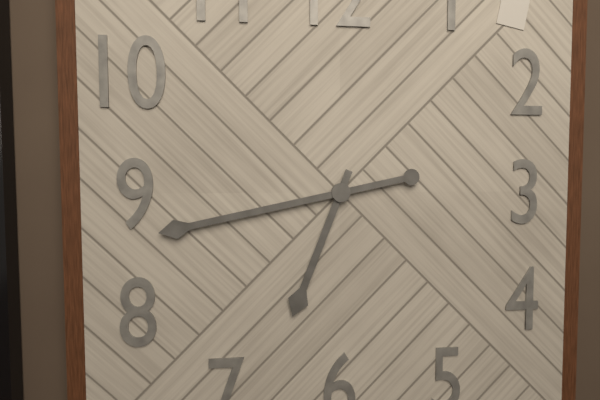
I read **6:43**
